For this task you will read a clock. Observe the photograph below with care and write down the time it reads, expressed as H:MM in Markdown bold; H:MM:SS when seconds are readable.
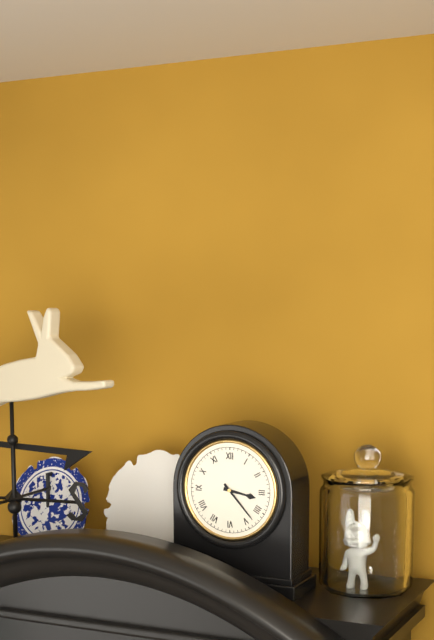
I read **3:23**
